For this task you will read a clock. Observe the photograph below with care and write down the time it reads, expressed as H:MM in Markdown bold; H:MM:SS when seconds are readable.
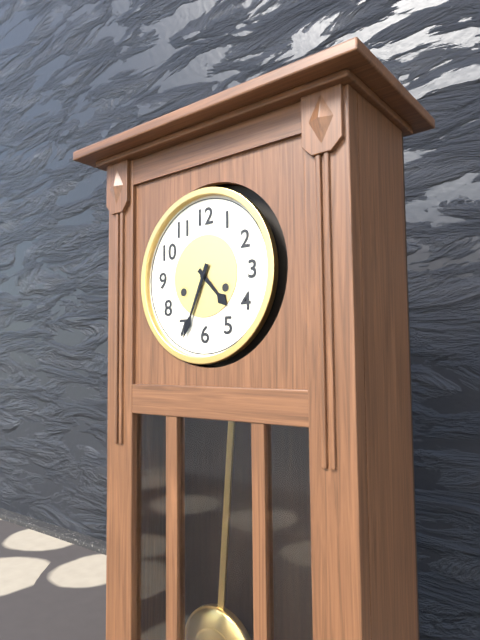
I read **4:34**
